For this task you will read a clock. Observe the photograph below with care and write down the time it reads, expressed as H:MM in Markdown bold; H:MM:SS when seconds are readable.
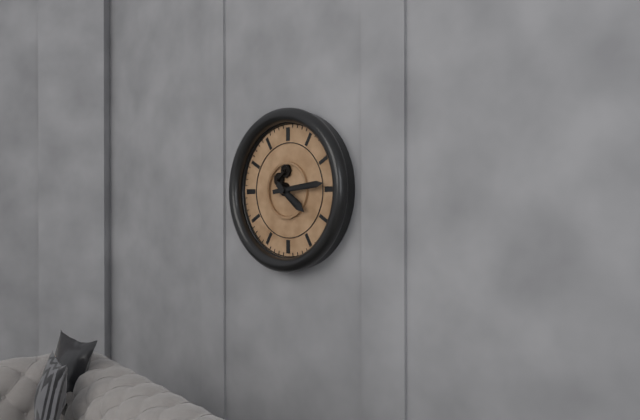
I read **4:14**
